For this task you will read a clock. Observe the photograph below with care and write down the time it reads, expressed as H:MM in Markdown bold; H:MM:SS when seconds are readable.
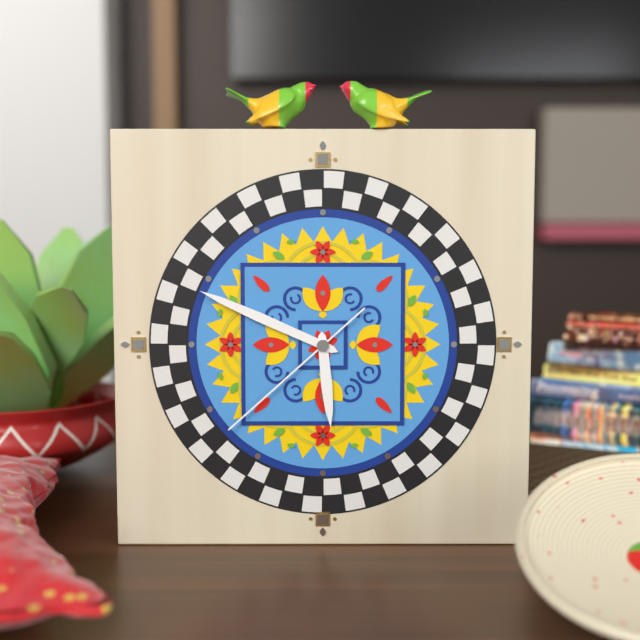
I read **5:49:38**
